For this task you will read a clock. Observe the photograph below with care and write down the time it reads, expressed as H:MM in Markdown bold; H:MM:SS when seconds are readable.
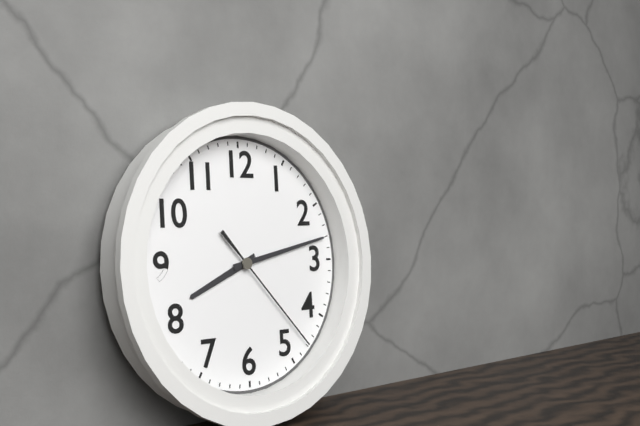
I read **8:13:23**
